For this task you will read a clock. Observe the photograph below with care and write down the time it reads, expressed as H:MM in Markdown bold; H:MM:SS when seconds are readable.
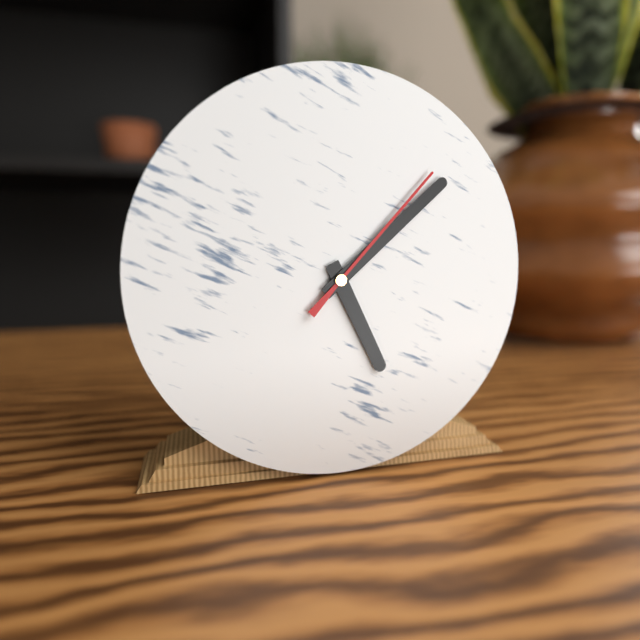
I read **5:08:07**
